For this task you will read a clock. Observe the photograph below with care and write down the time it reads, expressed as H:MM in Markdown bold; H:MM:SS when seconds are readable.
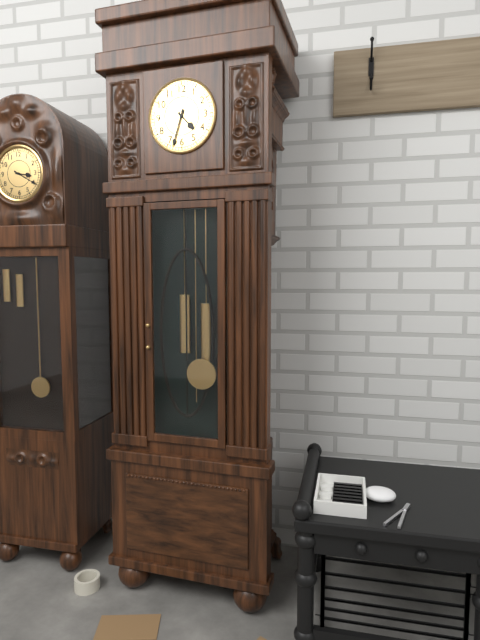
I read **4:33**
